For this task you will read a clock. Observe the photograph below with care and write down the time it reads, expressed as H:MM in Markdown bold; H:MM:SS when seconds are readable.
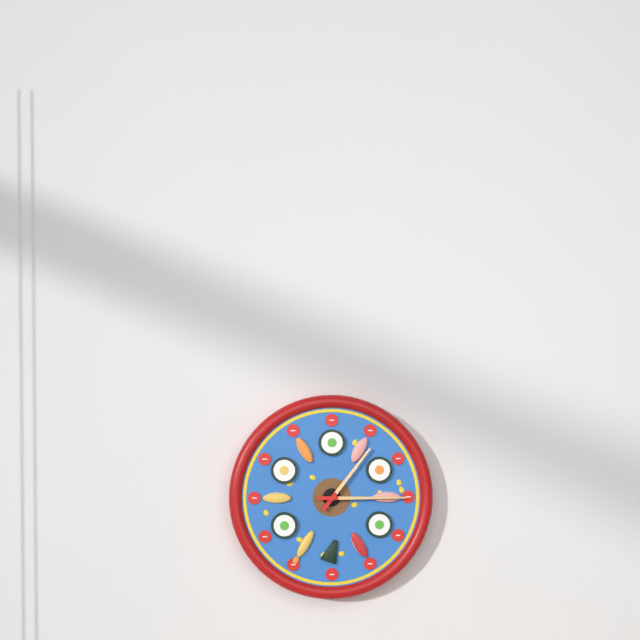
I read **1:15**
